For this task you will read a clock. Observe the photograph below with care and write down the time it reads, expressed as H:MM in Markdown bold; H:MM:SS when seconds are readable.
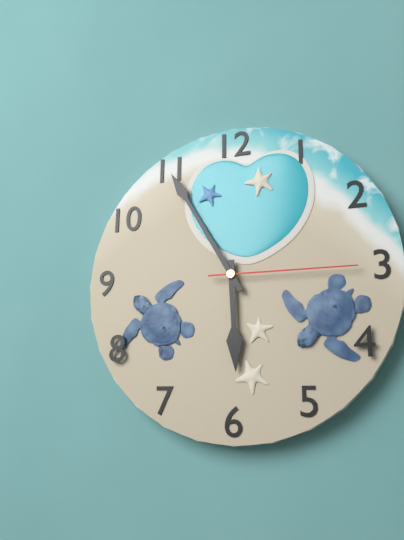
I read **5:55:15**
